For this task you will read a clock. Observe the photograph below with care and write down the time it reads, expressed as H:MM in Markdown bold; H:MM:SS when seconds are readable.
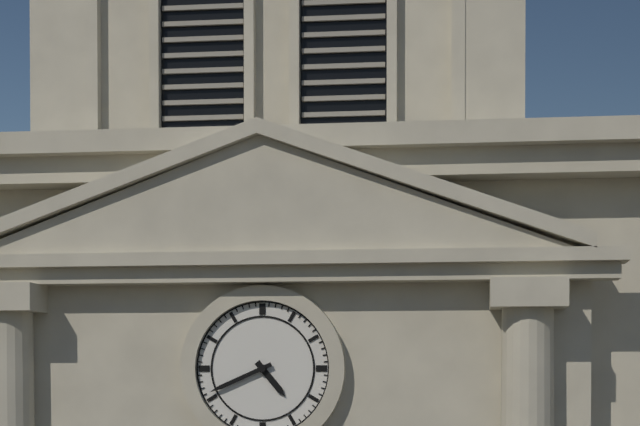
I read **4:41**
